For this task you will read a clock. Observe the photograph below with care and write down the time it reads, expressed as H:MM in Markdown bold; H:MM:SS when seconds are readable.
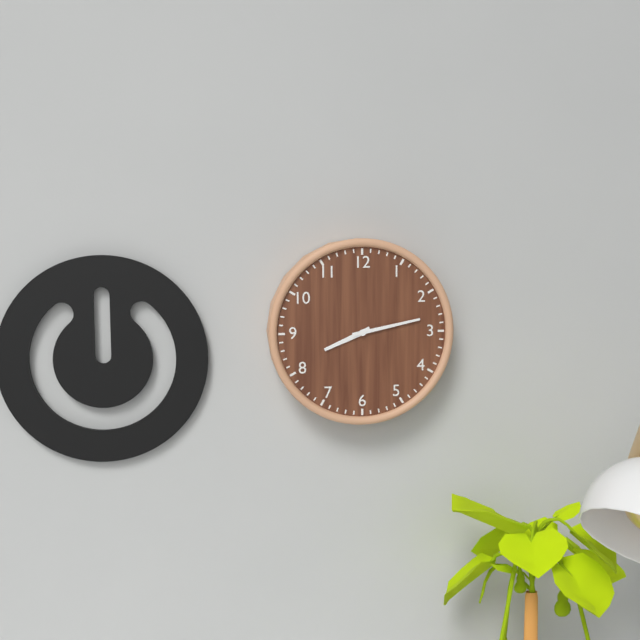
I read **8:13**
